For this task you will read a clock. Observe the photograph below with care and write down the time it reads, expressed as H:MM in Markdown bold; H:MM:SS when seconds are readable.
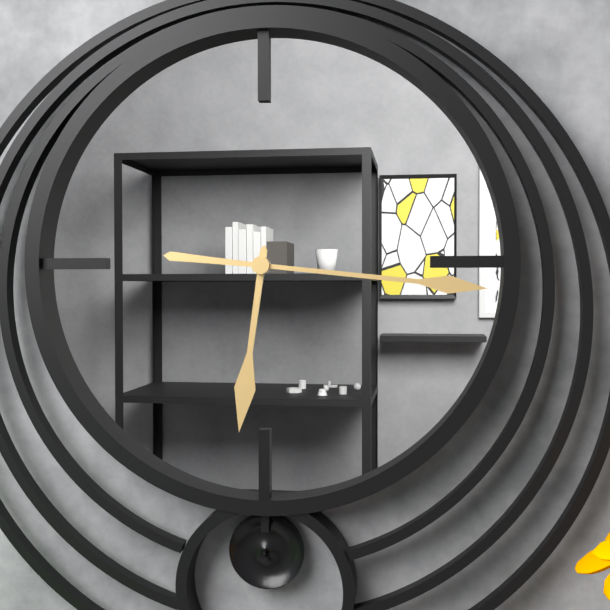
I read **6:16**
